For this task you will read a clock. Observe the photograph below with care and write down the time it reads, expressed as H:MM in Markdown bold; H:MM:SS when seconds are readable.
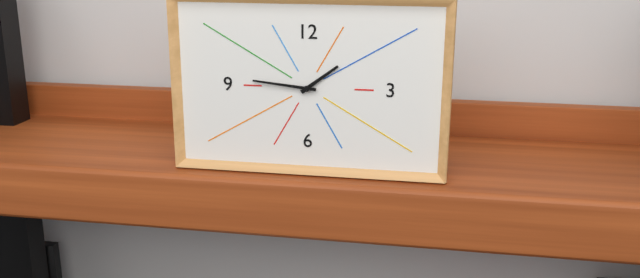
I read **1:46**
